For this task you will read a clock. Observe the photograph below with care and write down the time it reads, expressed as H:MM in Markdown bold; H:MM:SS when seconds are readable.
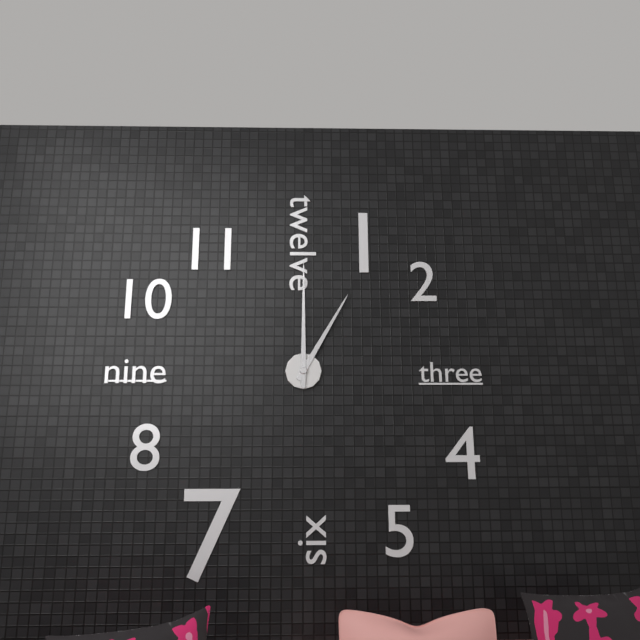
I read **1:00**
